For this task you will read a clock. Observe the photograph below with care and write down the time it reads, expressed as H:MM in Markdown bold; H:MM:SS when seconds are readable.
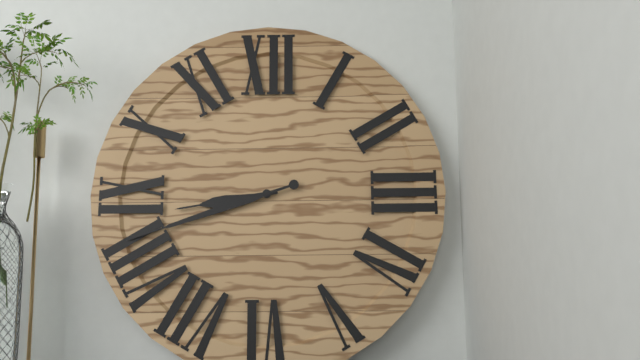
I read **8:42**
